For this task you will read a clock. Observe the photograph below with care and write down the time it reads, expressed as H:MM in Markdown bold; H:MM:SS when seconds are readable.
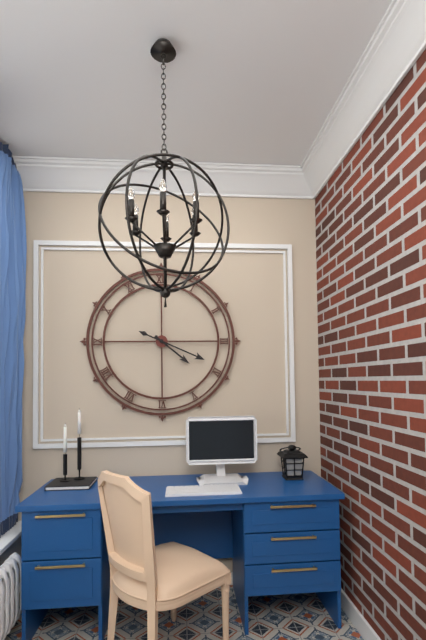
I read **4:19**
